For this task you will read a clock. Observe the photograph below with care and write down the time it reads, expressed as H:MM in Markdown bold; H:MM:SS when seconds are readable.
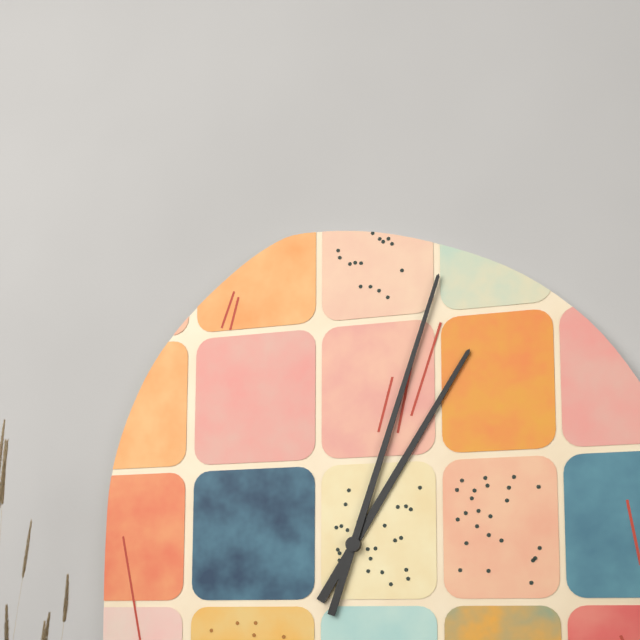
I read **1:03**
